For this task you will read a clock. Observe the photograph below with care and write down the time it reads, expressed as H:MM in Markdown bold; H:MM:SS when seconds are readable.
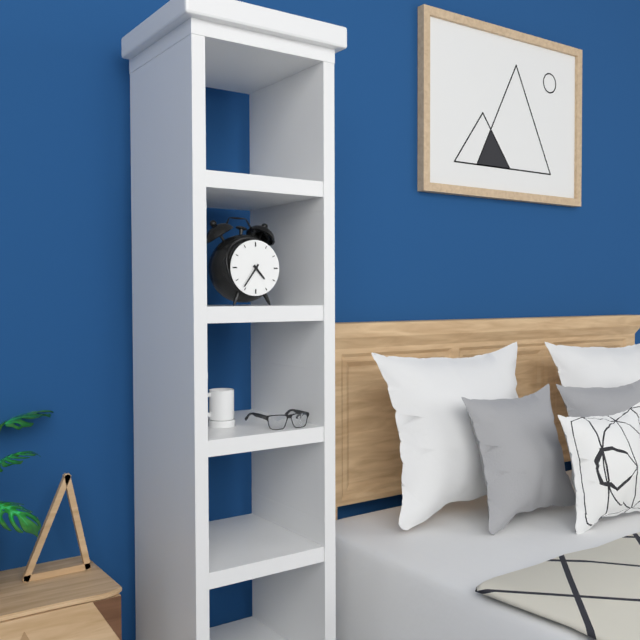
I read **4:36**
